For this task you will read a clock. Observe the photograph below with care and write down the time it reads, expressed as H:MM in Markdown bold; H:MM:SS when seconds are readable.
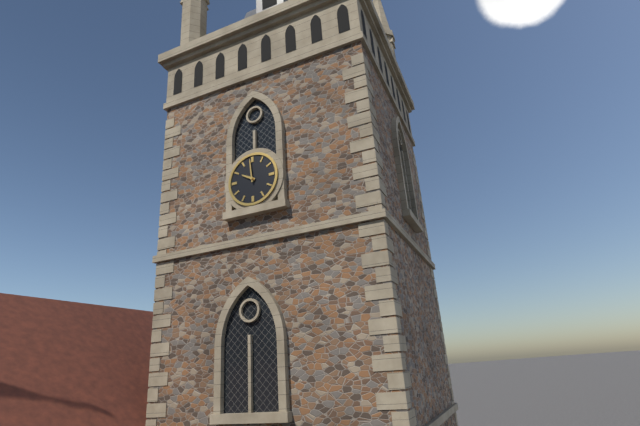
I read **9:59**
